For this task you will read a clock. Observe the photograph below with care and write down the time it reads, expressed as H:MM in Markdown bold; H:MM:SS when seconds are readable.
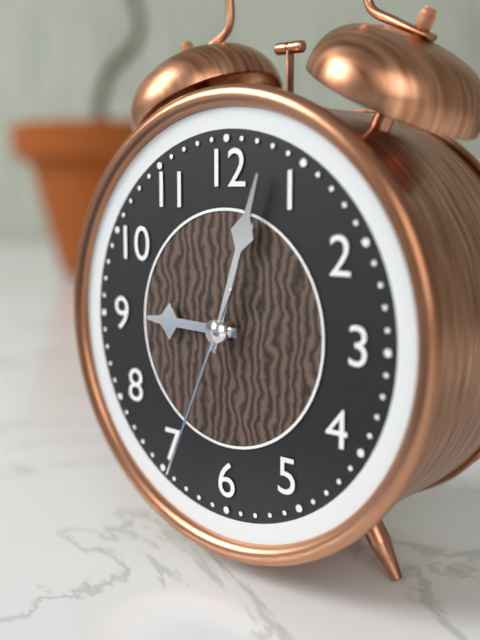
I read **9:03:34**
